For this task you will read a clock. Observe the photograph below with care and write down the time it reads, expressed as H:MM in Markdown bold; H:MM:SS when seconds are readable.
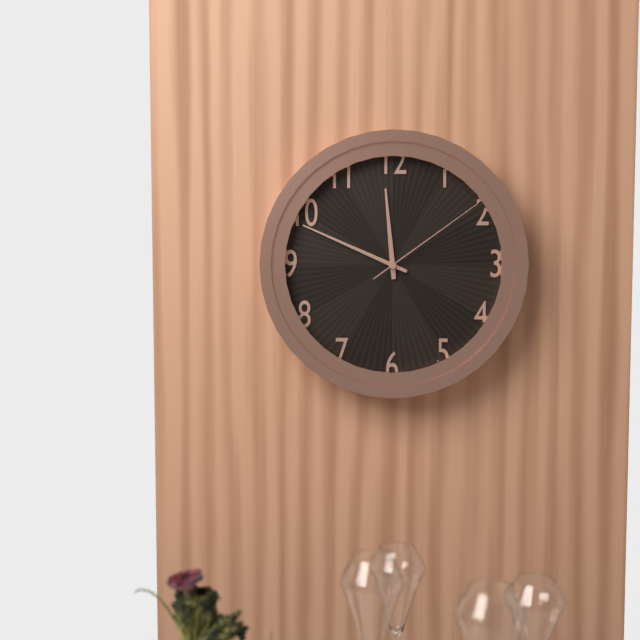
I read **11:49:09**
